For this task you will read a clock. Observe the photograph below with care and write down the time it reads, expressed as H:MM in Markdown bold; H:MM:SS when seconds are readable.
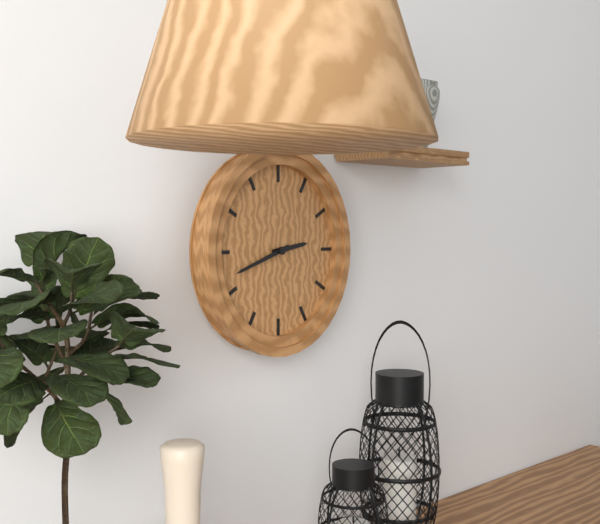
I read **2:42**
